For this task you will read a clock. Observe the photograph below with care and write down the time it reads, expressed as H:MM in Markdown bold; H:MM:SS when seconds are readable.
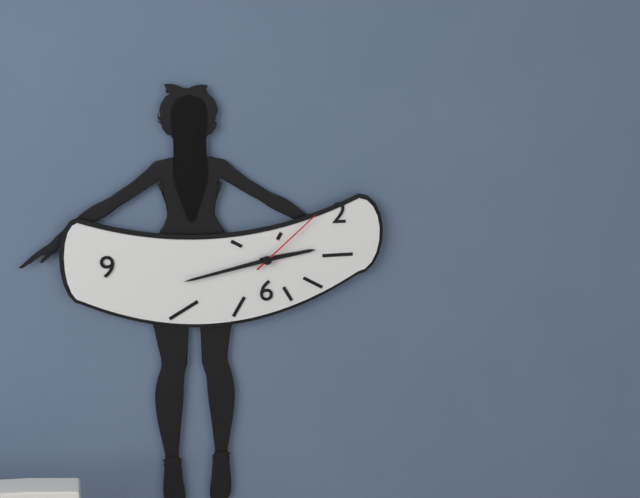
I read **2:43:08**
